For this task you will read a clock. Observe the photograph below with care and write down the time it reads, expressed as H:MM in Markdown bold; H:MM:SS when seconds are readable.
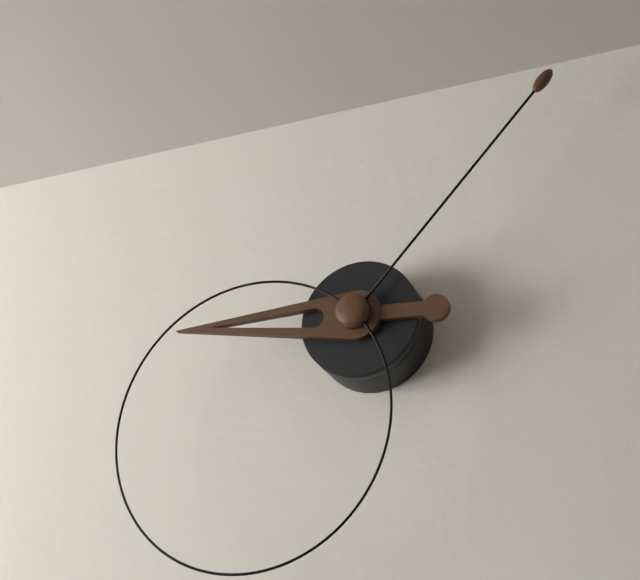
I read **9:07:38**
